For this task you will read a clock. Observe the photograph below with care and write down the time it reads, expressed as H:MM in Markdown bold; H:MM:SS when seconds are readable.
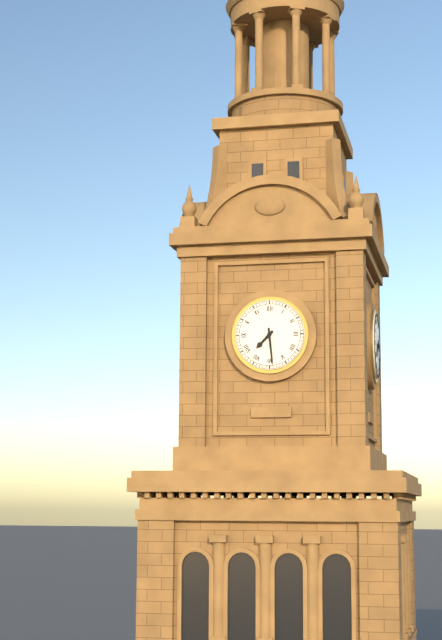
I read **7:29**
